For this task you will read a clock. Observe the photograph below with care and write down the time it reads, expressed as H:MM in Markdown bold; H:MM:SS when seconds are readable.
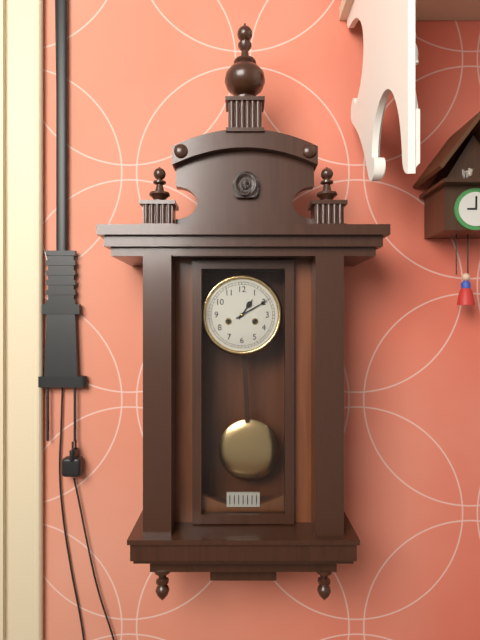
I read **1:10**
